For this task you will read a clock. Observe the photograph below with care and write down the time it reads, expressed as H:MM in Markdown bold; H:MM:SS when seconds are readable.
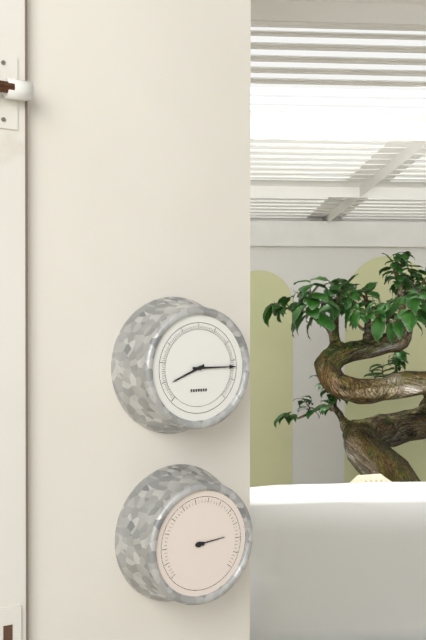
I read **8:15**
